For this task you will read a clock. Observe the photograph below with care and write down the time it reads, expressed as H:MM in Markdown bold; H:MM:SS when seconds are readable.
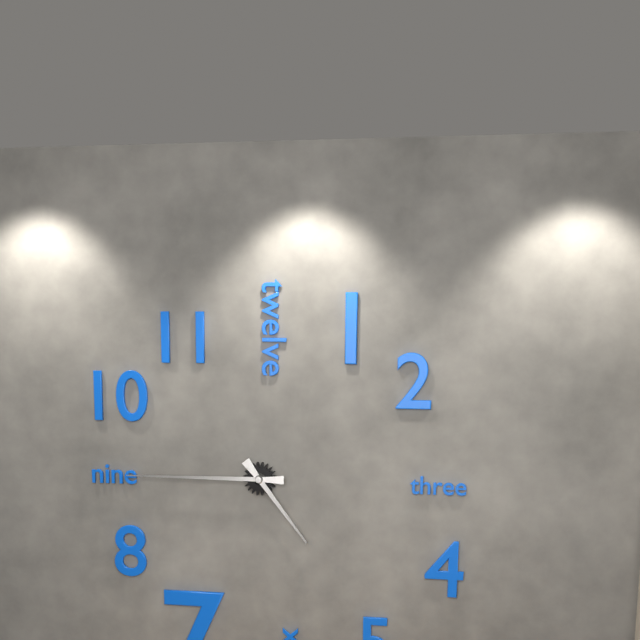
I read **4:45**
